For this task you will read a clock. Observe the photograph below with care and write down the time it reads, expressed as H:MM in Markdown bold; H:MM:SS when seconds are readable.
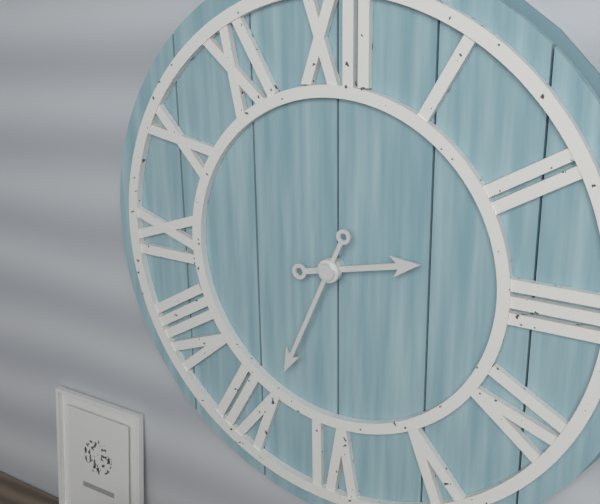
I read **2:34**
